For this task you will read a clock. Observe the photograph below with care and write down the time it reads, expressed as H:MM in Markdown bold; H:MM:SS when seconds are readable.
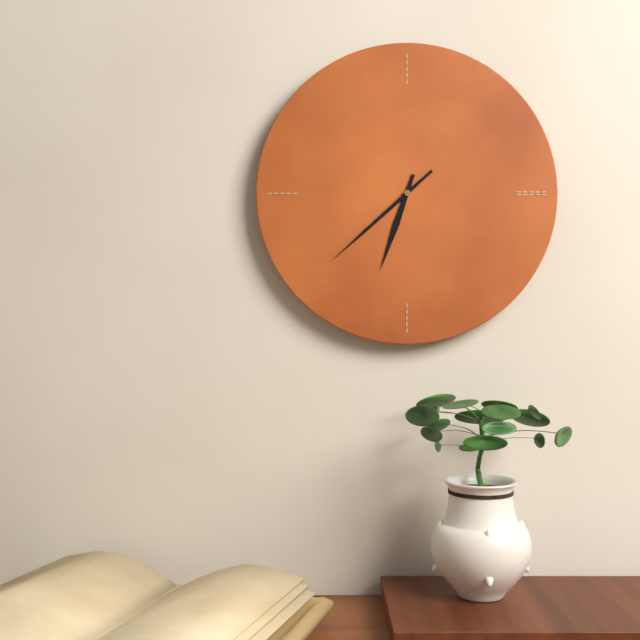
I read **6:38**
